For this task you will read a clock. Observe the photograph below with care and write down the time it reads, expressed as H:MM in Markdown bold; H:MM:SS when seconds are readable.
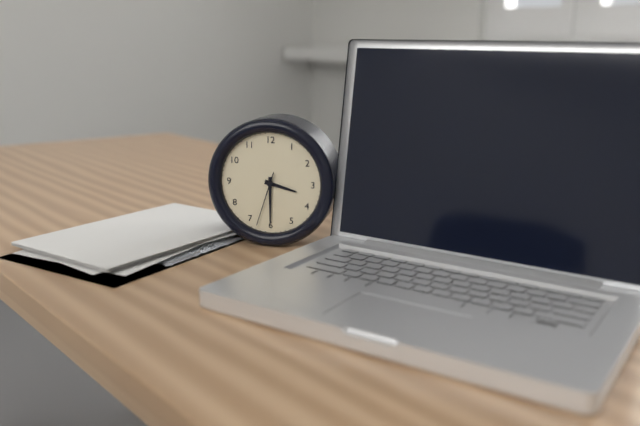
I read **3:30:33**
